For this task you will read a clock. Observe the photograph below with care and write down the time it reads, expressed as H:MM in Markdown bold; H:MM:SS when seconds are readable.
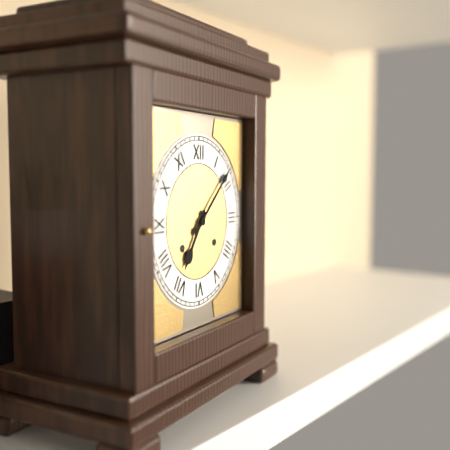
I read **7:08**
